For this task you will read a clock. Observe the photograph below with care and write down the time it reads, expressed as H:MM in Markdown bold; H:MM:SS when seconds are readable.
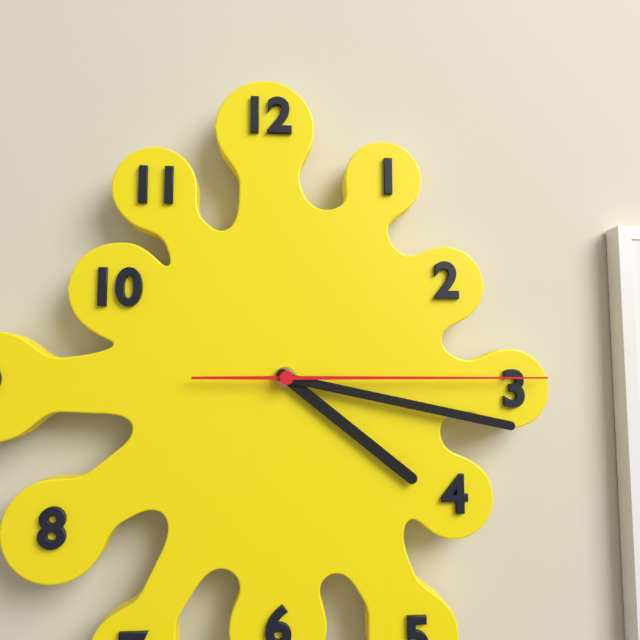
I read **4:17:15**
